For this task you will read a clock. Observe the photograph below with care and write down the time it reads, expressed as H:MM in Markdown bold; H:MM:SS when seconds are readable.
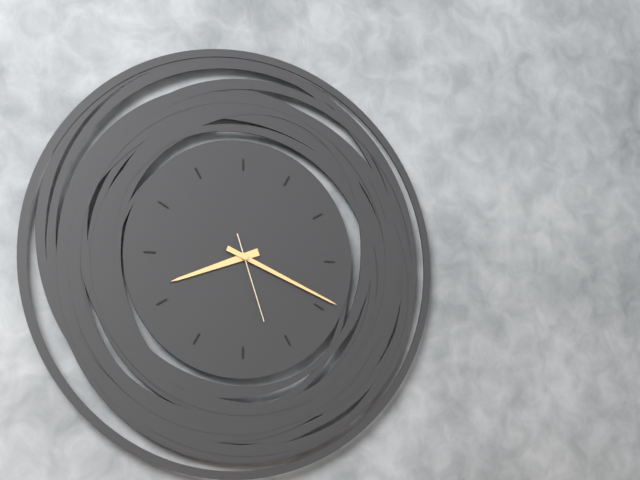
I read **8:19:27**
